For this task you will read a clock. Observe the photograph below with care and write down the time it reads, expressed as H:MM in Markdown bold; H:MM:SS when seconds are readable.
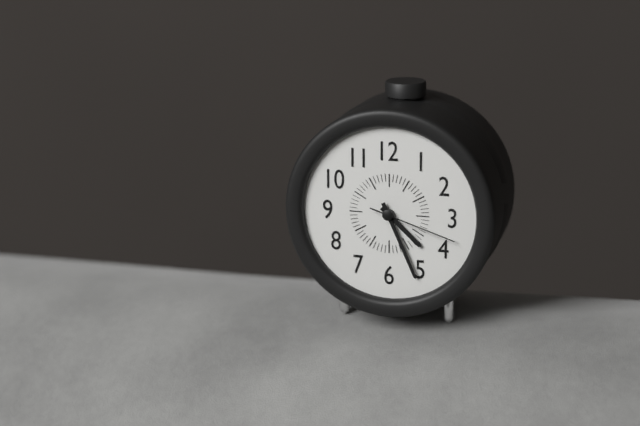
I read **4:26:18**
